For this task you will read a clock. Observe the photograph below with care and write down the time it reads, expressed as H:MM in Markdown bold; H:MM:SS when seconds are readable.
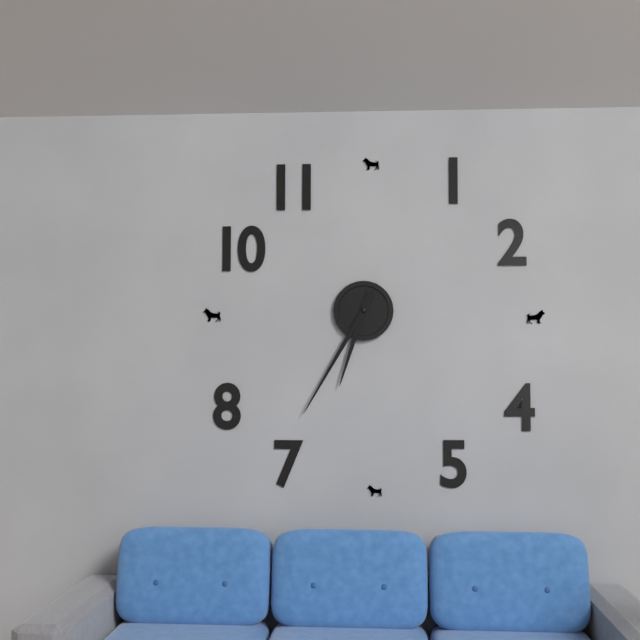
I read **6:35**
